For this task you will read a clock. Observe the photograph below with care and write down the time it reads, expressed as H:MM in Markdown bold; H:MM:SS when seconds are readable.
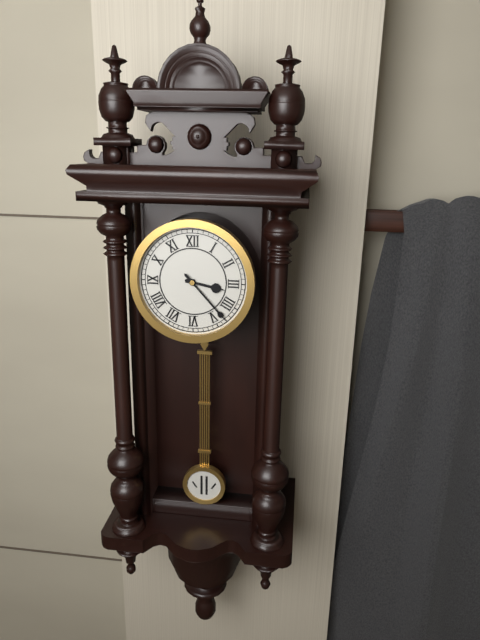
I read **3:23**
